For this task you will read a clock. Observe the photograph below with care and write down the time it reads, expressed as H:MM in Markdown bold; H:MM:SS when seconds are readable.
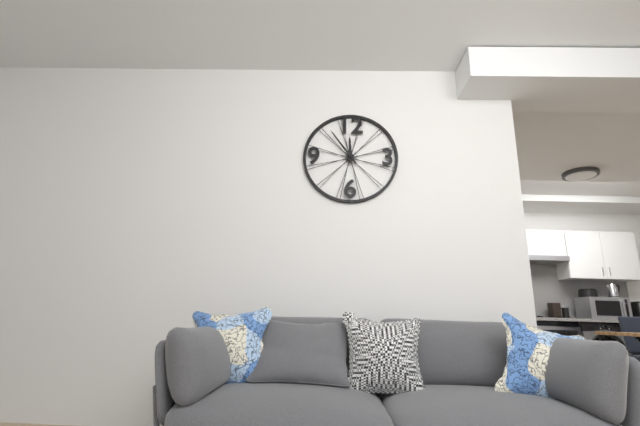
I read **11:54**
